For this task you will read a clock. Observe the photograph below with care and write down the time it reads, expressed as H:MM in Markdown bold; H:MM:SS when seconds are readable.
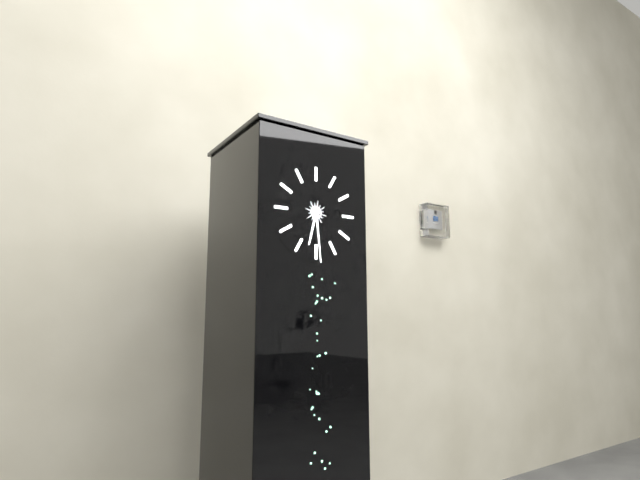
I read **6:29**
